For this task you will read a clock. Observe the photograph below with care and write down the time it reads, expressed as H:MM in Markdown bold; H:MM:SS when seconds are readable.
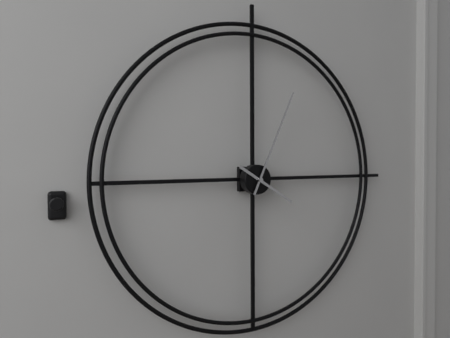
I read **4:04**
